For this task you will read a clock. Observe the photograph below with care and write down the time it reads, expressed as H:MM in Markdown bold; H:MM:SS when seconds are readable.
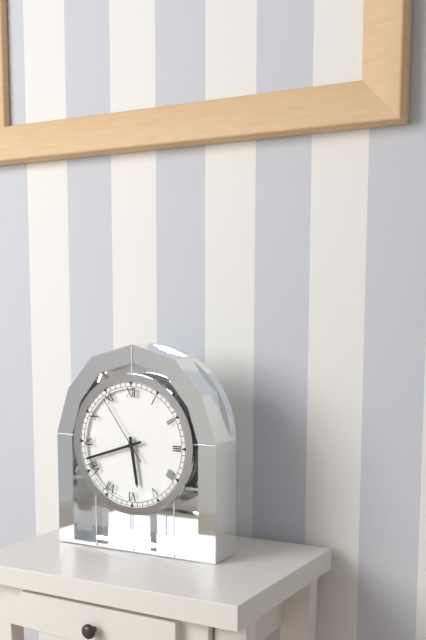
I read **5:42:54**
